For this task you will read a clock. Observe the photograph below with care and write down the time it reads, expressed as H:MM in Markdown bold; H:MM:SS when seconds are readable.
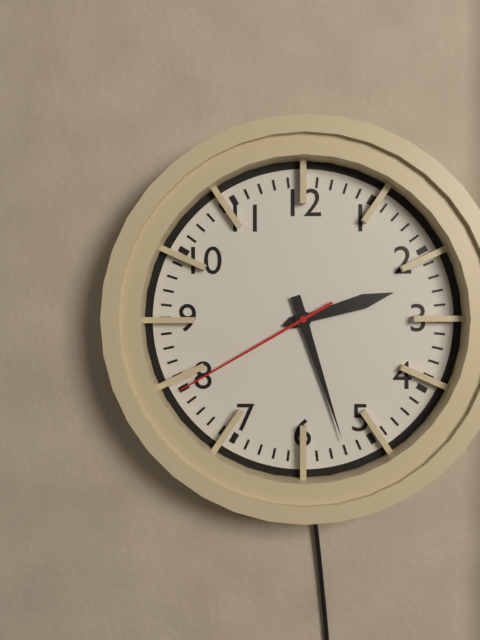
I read **2:27:40**
